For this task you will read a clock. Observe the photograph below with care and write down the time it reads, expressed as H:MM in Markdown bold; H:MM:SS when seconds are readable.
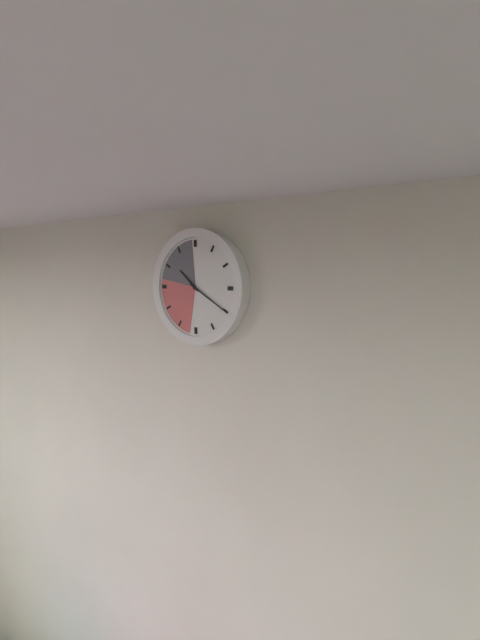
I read **10:20**
